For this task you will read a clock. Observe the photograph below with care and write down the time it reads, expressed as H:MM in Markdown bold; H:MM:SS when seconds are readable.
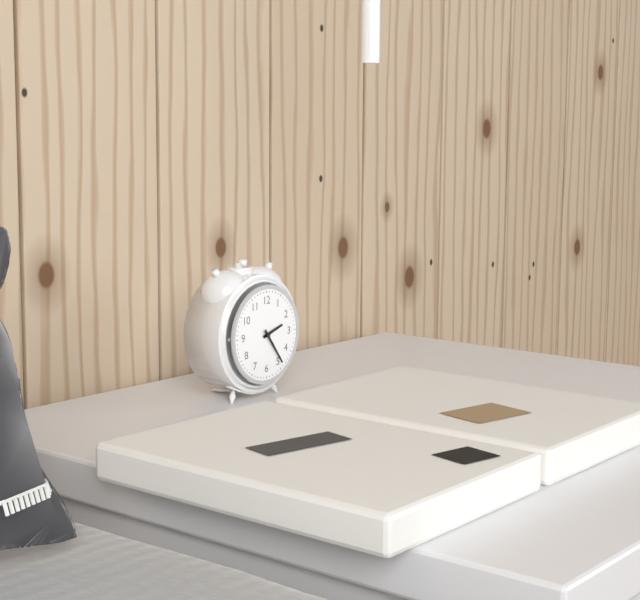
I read **2:24**
